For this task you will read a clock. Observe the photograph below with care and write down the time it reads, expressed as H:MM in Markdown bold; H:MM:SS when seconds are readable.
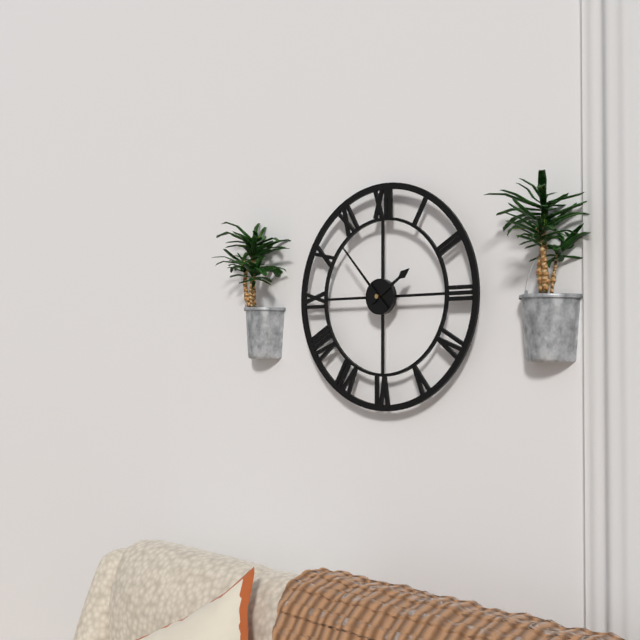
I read **1:53**
